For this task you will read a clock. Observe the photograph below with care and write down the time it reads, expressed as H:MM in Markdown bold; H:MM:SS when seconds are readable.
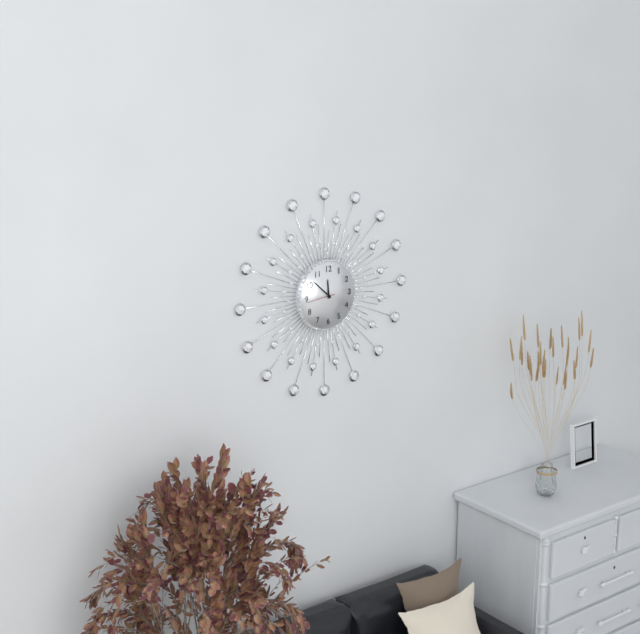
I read **11:52**
